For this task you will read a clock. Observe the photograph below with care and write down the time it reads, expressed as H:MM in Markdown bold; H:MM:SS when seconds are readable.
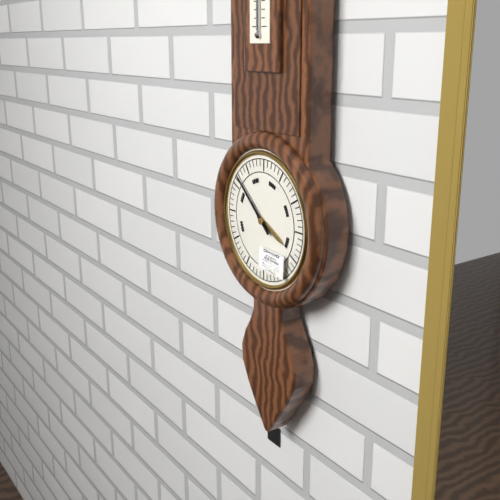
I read **3:52**
